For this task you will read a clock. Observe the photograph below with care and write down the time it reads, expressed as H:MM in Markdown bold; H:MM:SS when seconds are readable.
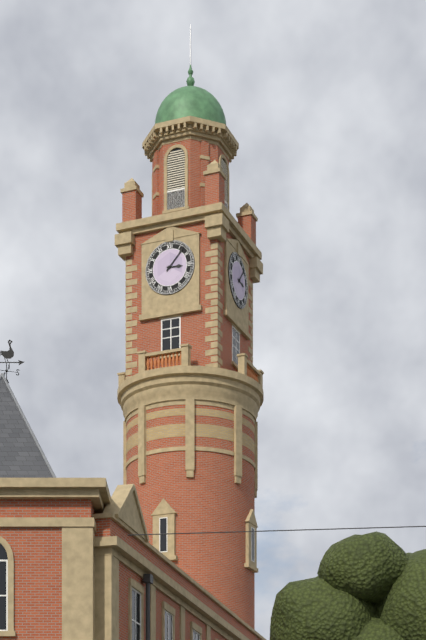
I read **3:07**
